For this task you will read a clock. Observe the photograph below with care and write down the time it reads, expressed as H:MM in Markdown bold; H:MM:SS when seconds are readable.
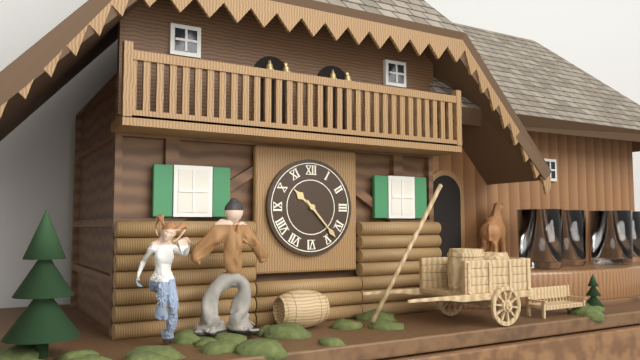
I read **10:23**
